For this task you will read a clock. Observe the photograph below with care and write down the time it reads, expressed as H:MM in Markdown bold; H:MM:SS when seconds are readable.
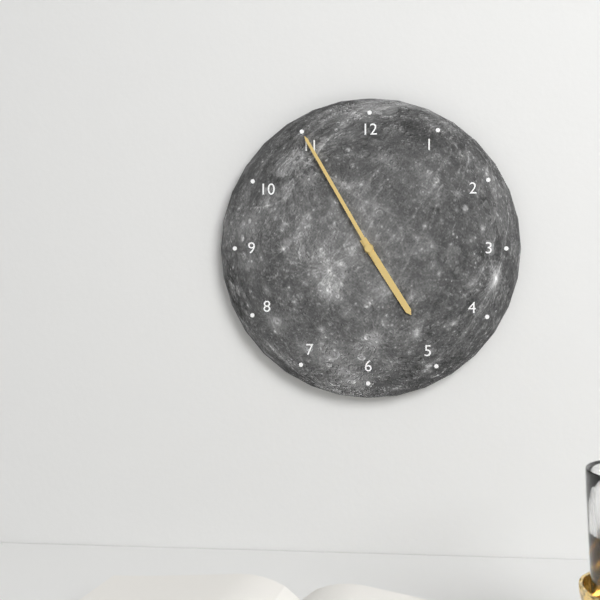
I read **4:55**
